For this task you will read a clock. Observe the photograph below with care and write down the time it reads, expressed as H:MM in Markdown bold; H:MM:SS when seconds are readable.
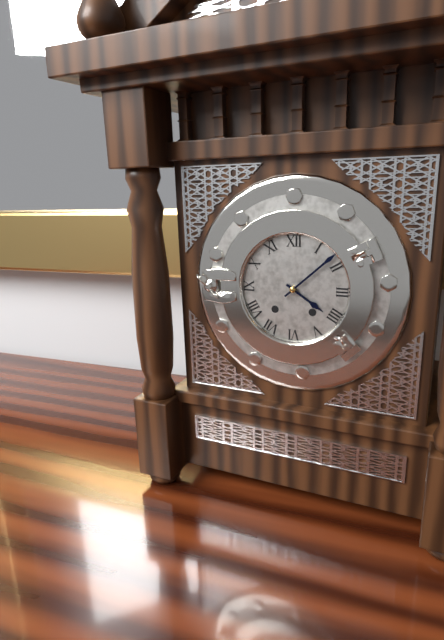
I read **4:08**
